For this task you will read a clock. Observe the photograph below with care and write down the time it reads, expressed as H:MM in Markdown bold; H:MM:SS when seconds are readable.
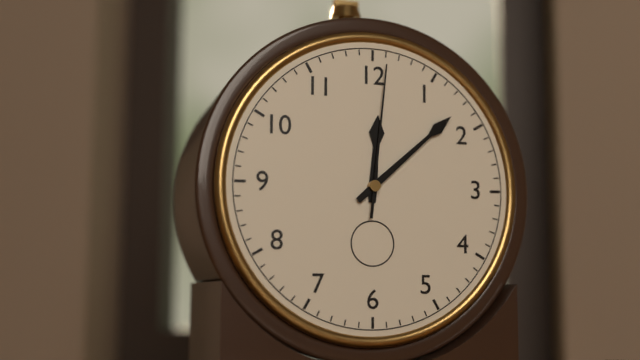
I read **12:08:01**
